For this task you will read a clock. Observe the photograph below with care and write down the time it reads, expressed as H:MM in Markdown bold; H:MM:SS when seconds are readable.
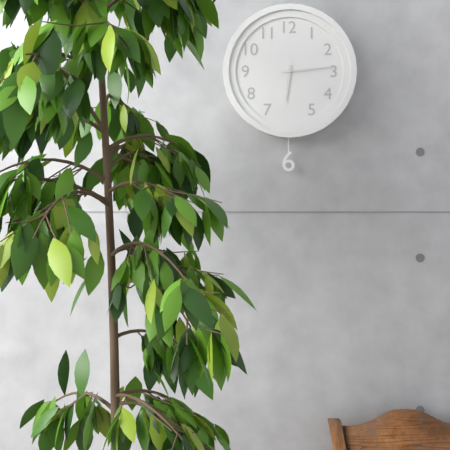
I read **6:14**
